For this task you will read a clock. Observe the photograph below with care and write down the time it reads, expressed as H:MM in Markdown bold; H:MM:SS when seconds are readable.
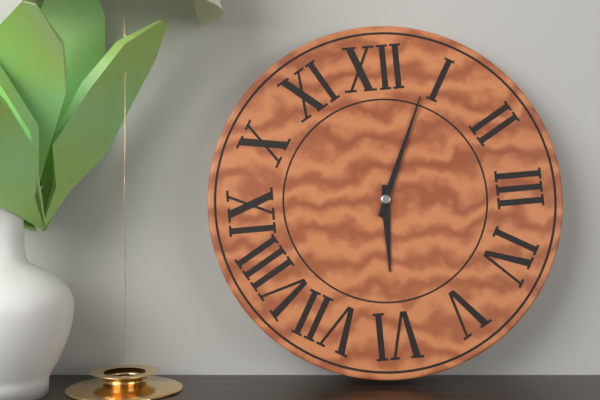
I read **6:04**
